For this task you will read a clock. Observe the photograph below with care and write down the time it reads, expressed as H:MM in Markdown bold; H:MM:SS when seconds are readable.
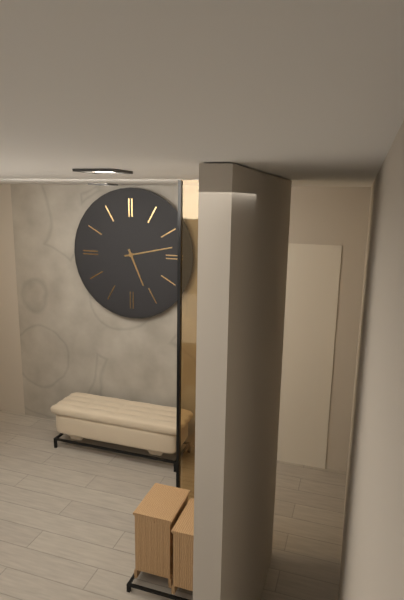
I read **5:13**
